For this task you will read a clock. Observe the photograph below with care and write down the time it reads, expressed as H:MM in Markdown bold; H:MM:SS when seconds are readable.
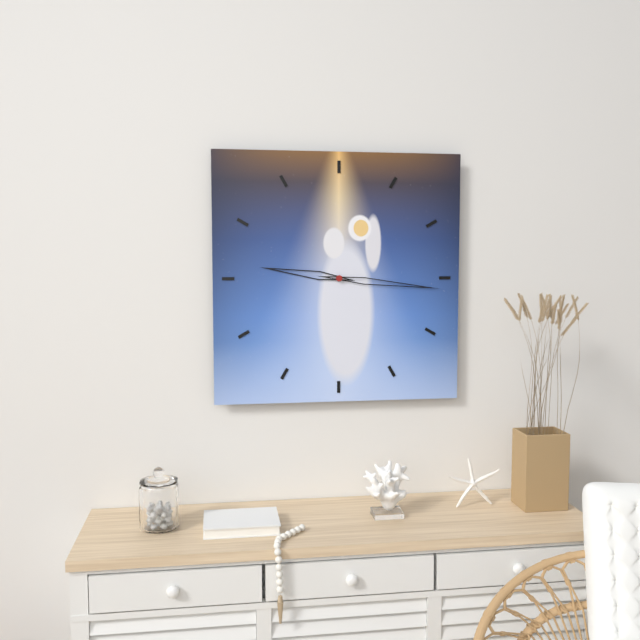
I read **9:16**
